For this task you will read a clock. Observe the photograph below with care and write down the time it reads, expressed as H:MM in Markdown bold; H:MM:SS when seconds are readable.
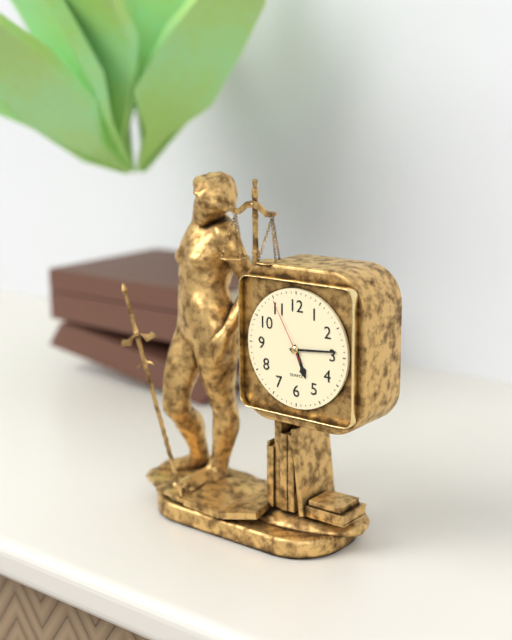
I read **5:14:55**
